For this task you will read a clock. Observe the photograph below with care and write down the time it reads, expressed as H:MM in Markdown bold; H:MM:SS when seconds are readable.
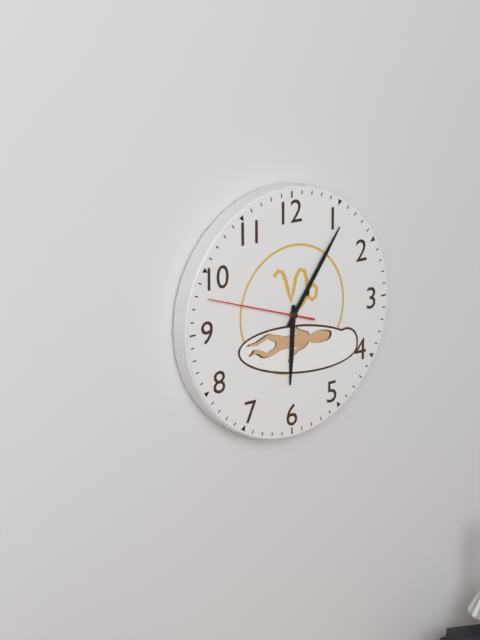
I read **6:06:48**
